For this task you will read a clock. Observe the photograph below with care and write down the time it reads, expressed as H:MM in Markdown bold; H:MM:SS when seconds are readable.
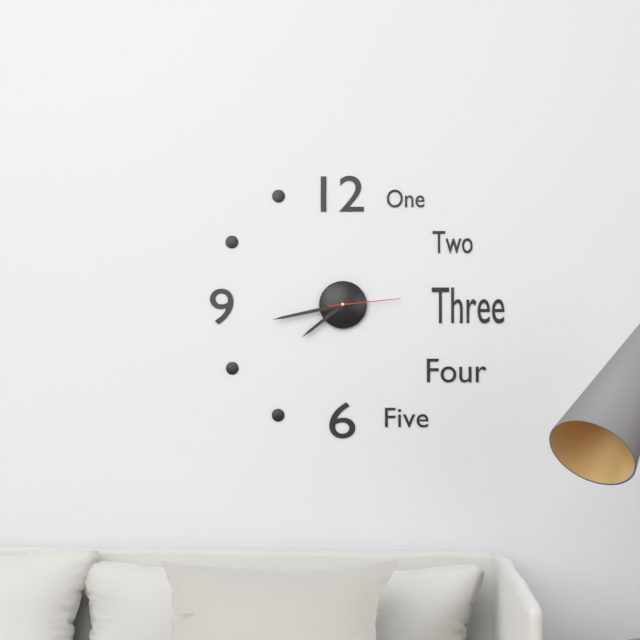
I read **7:43:14**
